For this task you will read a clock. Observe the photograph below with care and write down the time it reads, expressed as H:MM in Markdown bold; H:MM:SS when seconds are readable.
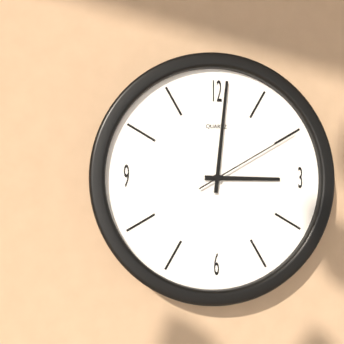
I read **3:01:10**
